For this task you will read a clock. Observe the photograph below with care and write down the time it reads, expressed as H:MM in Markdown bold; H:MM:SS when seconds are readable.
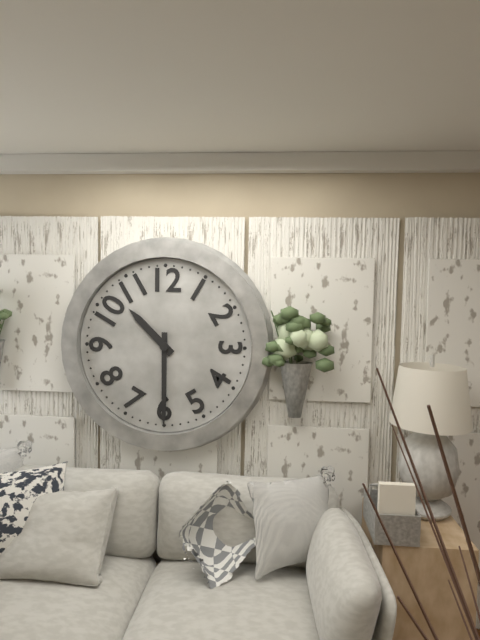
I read **10:30**
